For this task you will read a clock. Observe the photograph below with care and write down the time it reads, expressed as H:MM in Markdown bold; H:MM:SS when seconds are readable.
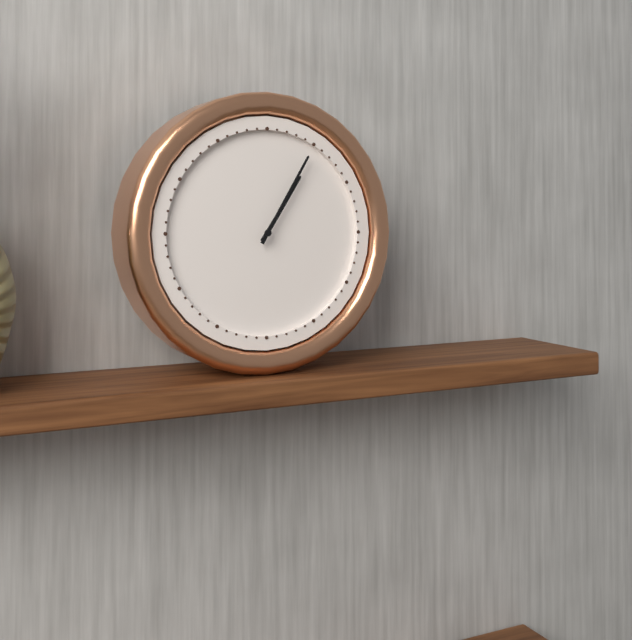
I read **1:05**
